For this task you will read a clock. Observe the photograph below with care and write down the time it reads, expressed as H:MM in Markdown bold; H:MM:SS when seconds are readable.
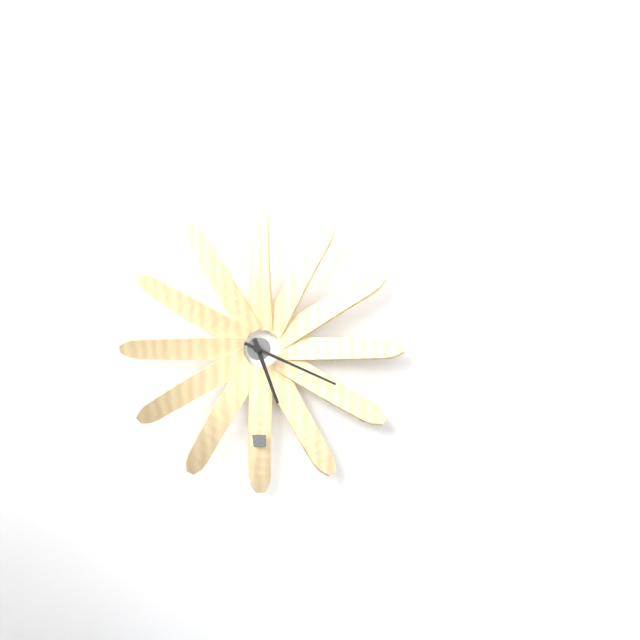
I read **5:19**
